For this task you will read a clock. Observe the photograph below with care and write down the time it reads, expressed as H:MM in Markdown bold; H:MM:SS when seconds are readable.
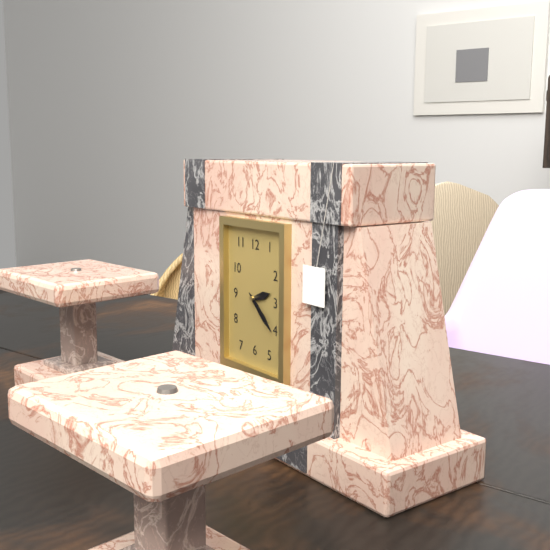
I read **2:22**
